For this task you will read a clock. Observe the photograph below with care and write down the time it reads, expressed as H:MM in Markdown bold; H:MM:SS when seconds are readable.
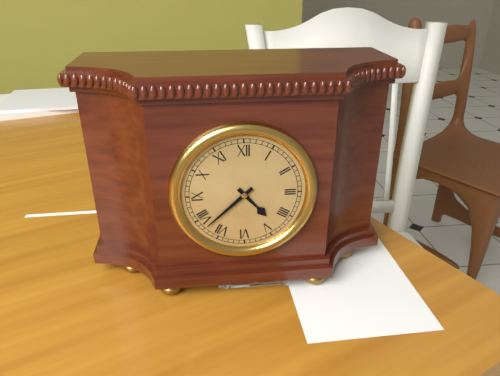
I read **4:38**
